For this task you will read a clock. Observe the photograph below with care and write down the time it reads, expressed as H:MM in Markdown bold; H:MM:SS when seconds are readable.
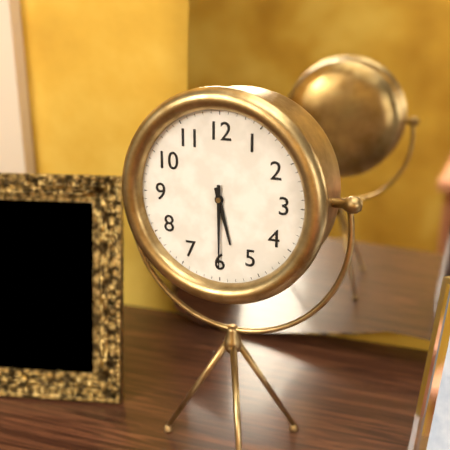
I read **5:30**
